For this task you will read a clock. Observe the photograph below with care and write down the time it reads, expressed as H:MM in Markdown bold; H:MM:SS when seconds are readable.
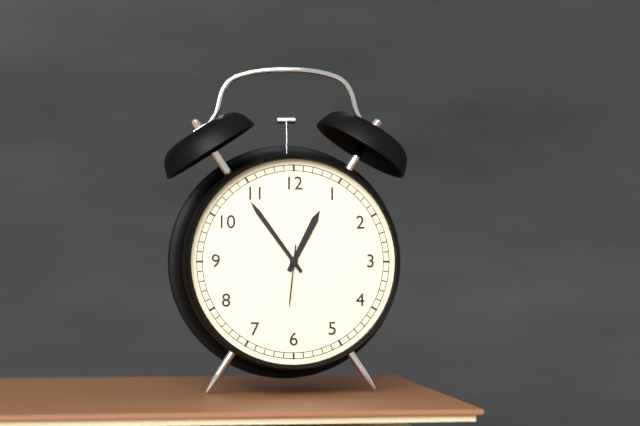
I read **12:54:31**
